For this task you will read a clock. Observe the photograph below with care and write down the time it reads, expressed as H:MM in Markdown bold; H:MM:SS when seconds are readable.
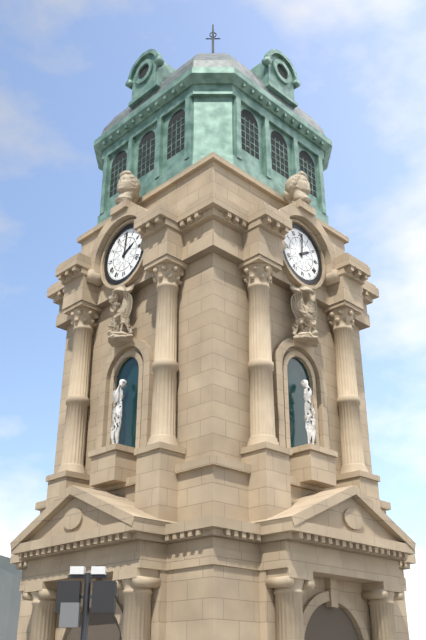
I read **2:01**
